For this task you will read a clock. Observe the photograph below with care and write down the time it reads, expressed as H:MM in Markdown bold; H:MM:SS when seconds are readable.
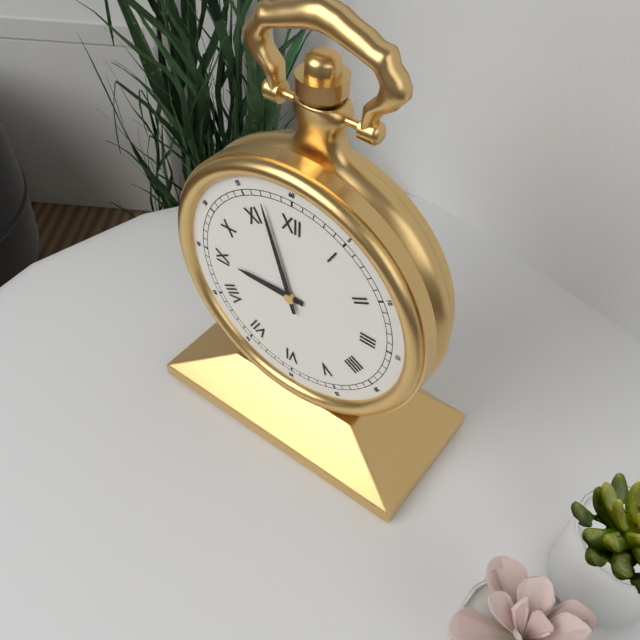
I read **8:57**
